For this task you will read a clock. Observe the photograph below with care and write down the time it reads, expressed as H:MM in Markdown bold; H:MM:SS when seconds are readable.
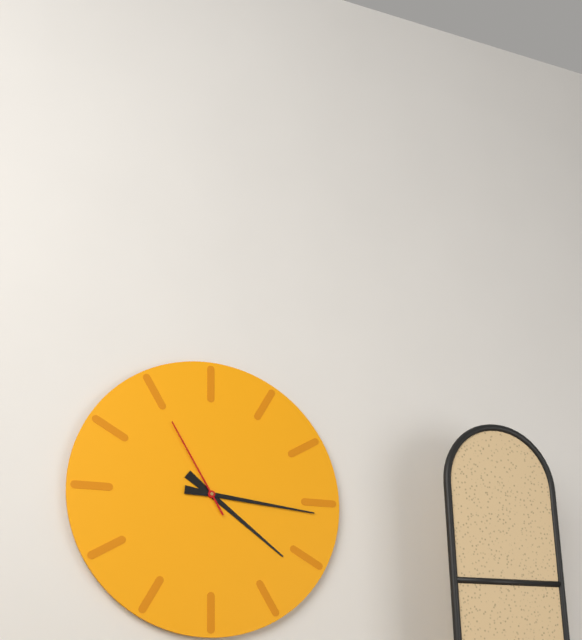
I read **4:16:55**
